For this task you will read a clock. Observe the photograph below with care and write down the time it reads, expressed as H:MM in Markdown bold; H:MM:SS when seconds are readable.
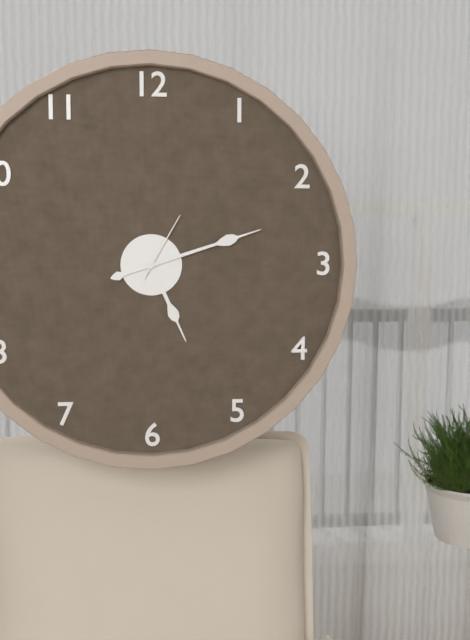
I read **5:12:05**
